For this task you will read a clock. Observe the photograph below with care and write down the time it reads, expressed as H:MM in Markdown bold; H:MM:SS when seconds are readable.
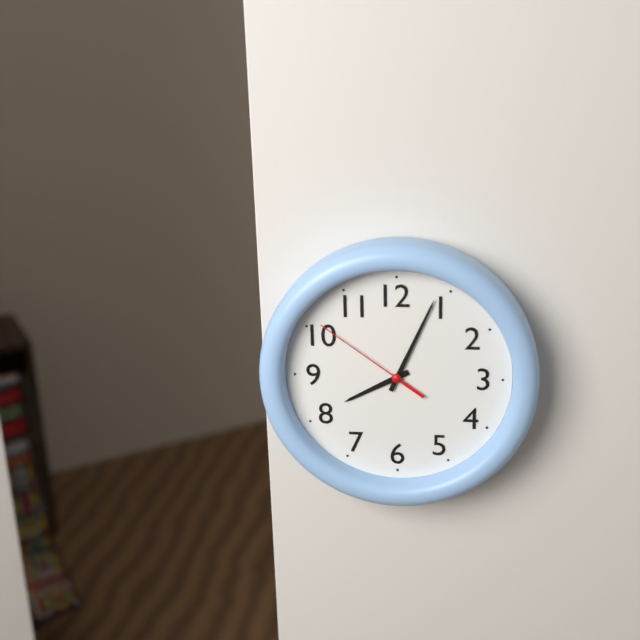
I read **8:04:51**
